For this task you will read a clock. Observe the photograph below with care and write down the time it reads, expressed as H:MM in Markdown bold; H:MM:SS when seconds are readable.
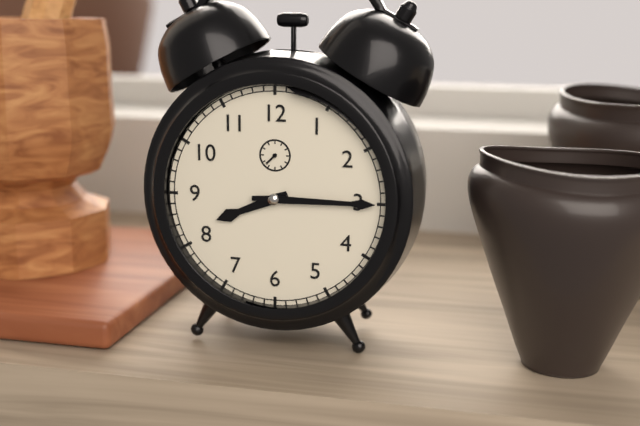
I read **8:15**
